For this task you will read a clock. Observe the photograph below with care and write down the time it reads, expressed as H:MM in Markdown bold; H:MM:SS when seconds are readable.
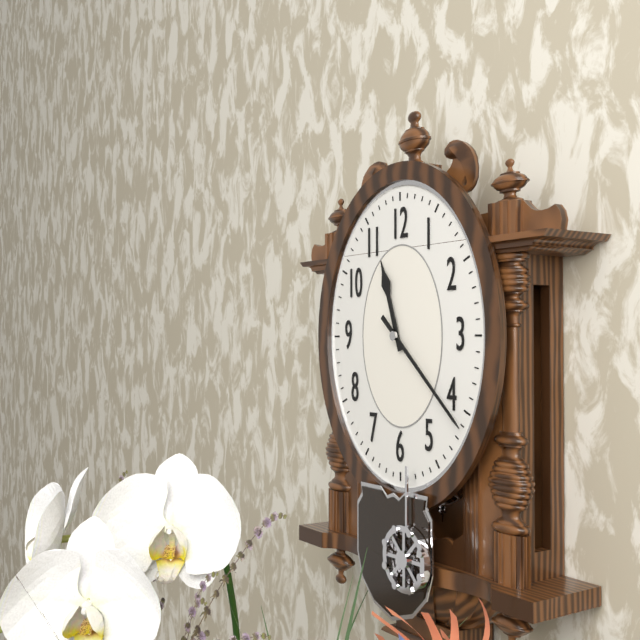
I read **11:22**
